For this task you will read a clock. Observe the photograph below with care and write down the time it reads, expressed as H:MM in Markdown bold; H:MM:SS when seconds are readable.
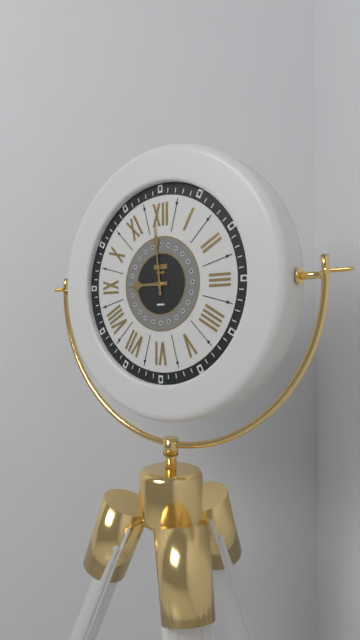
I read **8:59**
